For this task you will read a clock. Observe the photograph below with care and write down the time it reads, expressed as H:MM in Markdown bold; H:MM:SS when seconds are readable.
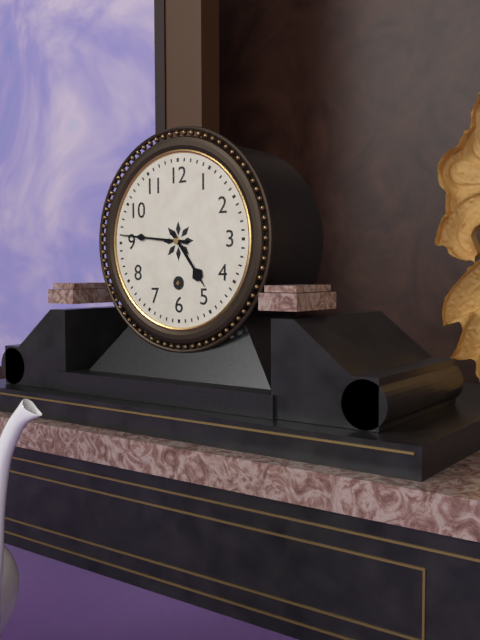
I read **4:46**
